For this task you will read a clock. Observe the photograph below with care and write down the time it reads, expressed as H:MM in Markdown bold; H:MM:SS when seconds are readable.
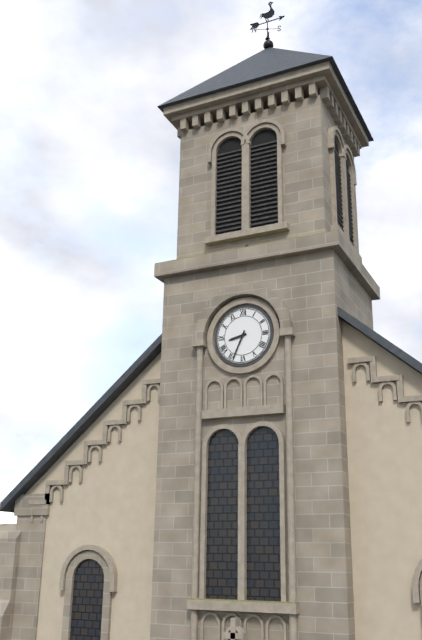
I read **8:34**
